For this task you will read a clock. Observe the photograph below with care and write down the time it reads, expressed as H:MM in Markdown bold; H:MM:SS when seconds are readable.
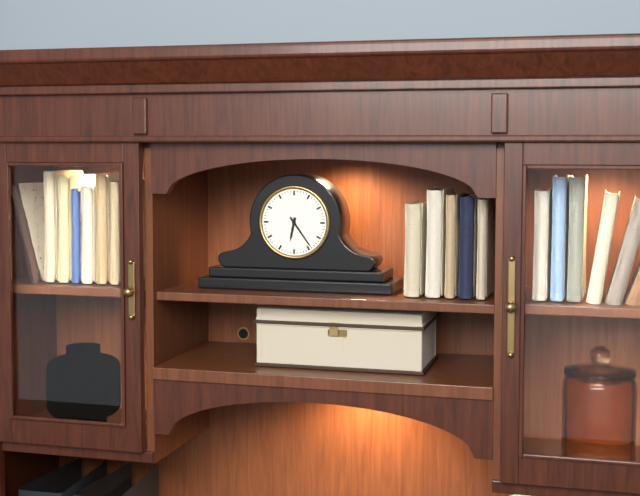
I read **6:24**
